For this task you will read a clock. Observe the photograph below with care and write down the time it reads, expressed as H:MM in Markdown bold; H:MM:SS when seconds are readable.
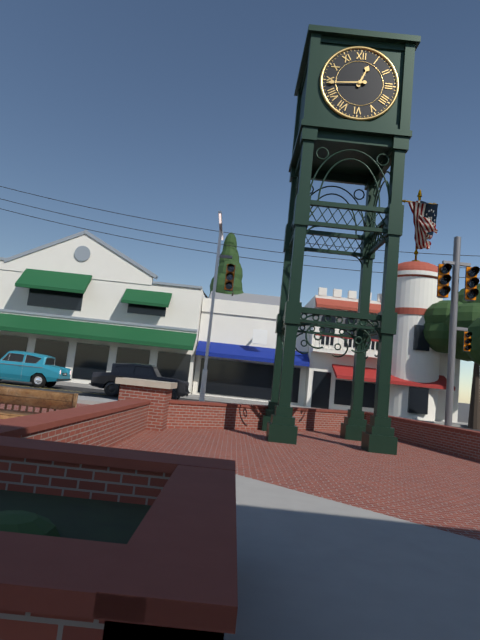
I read **12:44**
